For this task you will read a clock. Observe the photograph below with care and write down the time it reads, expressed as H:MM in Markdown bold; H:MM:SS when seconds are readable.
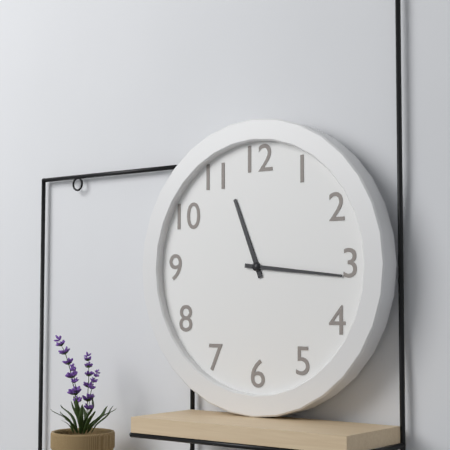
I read **11:16**
